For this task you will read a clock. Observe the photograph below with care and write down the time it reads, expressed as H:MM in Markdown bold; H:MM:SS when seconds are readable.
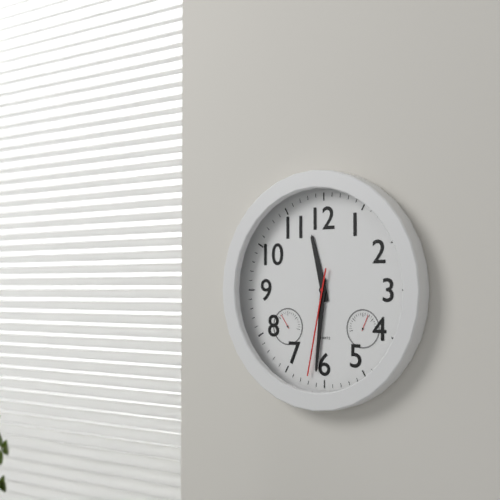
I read **11:31:32**
